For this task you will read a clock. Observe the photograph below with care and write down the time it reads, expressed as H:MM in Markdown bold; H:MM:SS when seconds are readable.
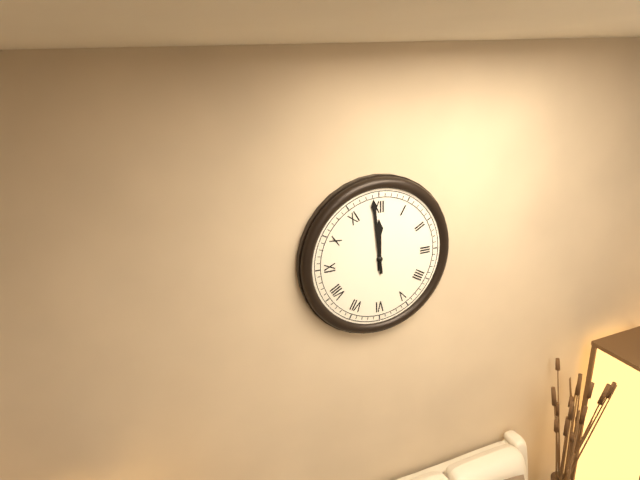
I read **11:59**
